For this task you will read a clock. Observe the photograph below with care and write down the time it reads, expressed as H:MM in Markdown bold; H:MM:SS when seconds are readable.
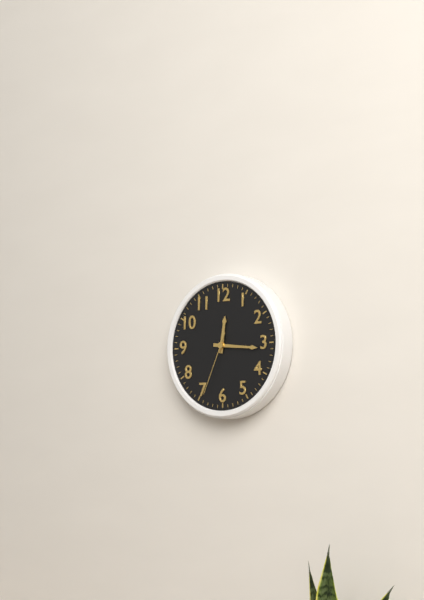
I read **12:16:34**
